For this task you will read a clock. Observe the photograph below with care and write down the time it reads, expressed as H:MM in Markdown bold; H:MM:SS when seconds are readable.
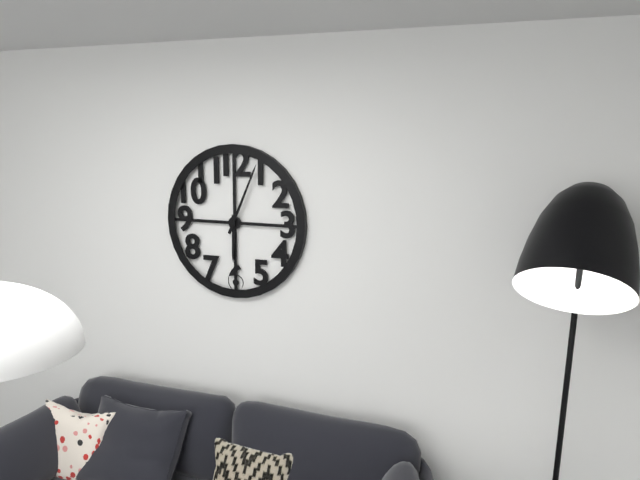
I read **6:04**
